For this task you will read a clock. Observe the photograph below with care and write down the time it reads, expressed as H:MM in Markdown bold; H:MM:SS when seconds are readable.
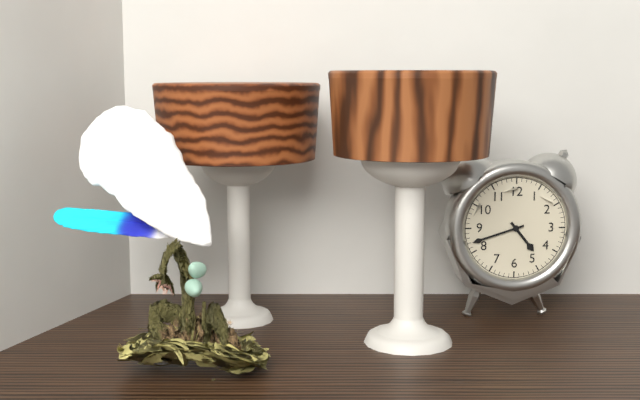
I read **4:42**
